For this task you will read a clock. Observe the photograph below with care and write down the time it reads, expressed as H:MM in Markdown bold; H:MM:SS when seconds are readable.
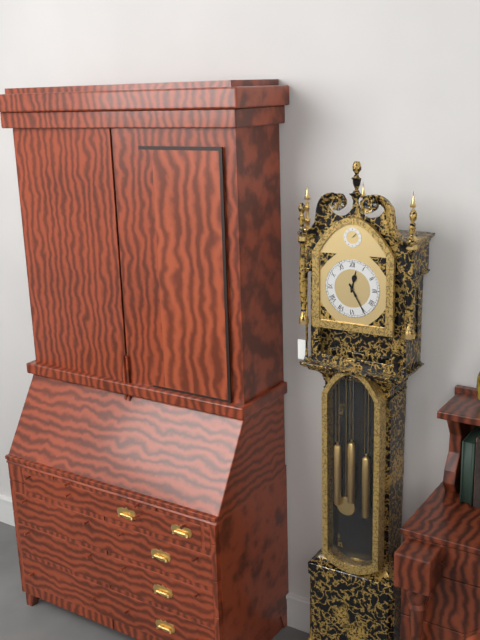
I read **12:25**
